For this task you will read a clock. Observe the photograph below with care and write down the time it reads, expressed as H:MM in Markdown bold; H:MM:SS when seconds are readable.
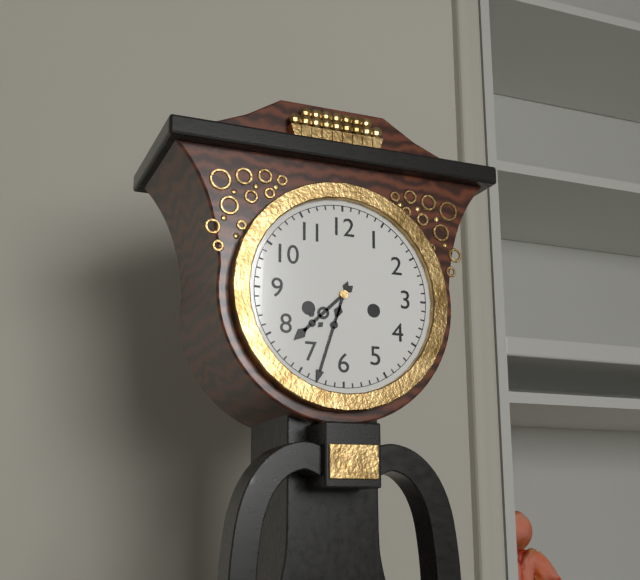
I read **7:33**
